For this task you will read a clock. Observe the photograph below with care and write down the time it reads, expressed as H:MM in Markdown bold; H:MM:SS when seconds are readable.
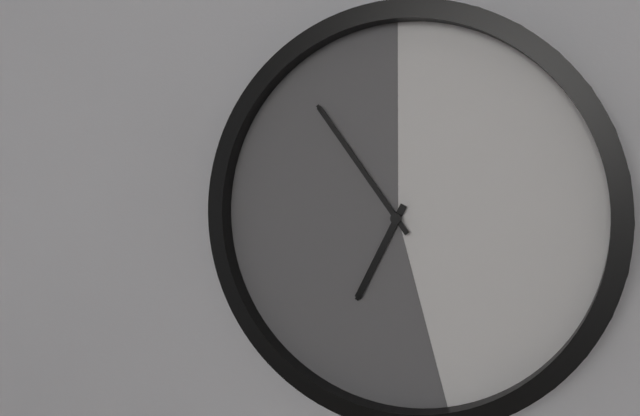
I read **6:54**
